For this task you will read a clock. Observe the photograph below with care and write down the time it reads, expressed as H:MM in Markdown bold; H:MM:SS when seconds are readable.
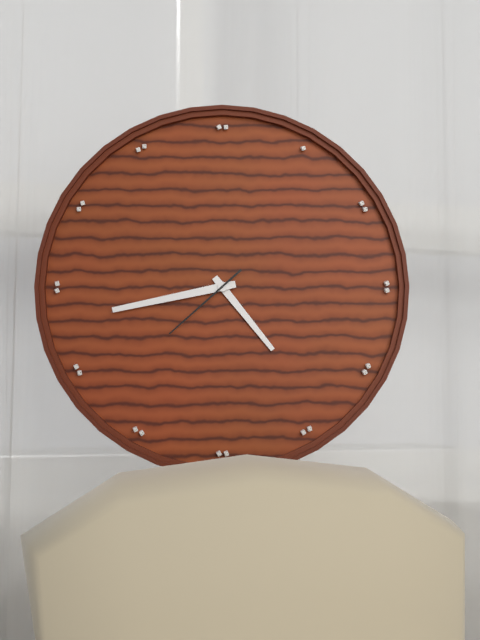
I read **4:43:38**
